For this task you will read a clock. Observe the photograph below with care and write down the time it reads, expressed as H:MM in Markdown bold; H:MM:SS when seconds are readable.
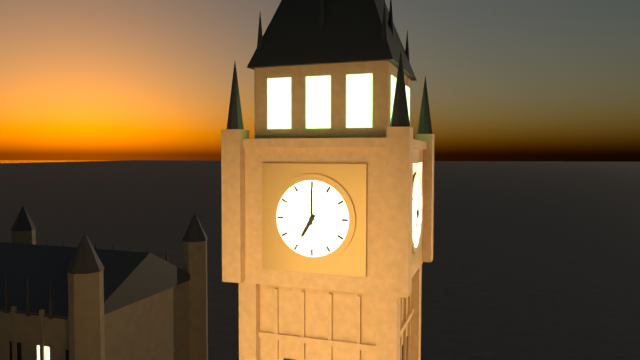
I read **7:00**
